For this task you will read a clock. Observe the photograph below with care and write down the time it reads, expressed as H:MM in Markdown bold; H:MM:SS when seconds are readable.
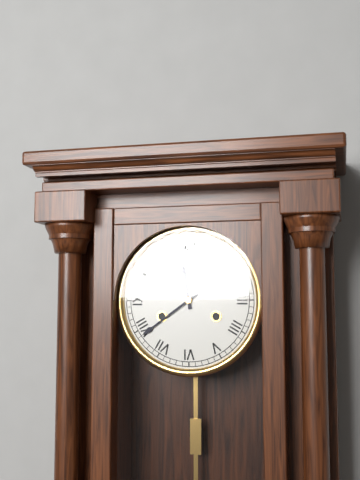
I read **11:39**
